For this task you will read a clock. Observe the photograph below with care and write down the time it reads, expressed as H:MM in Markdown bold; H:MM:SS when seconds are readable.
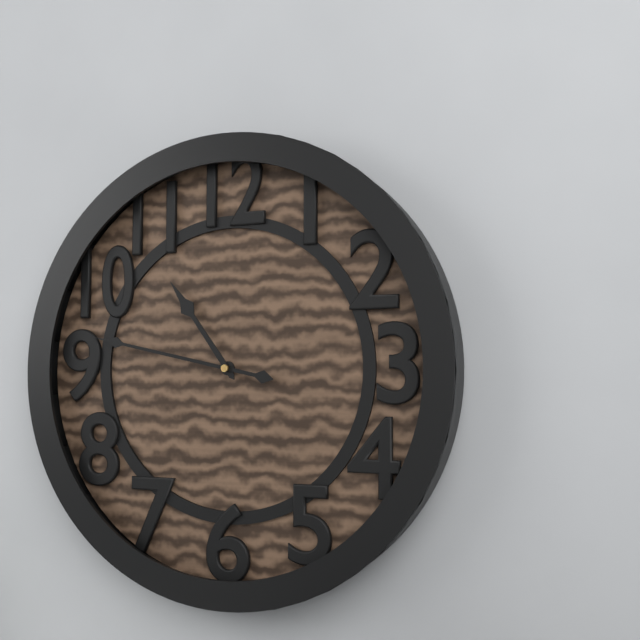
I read **10:47**
